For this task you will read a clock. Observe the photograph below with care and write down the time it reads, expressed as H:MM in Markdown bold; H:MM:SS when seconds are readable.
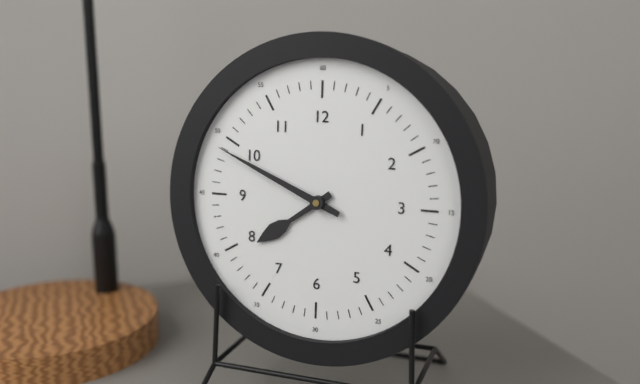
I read **7:49**
